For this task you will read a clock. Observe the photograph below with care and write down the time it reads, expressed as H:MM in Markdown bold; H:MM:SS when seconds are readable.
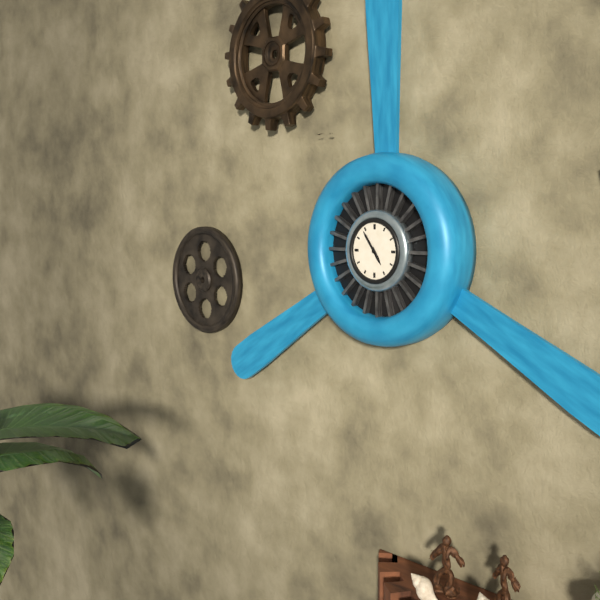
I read **4:54**
